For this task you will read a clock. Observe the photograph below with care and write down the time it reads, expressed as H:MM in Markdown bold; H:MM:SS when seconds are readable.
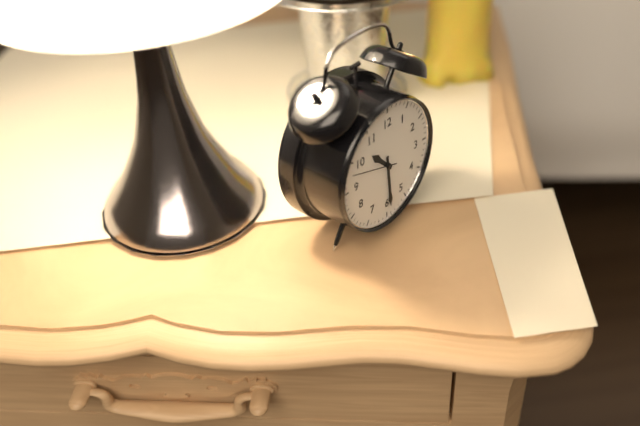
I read **10:29**
